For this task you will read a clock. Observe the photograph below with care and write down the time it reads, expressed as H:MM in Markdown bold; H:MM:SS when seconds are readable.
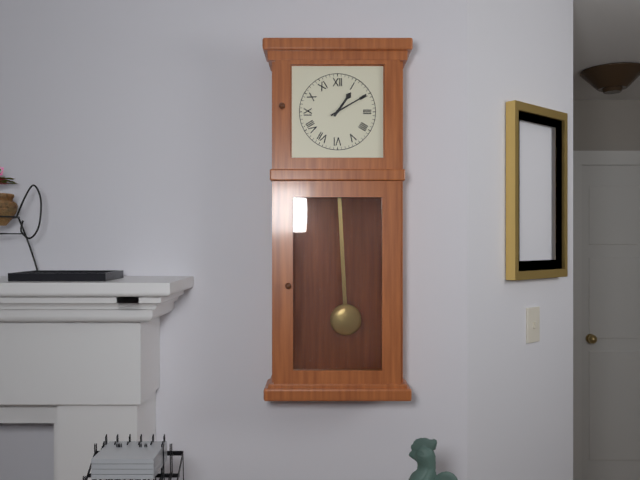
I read **1:10**
